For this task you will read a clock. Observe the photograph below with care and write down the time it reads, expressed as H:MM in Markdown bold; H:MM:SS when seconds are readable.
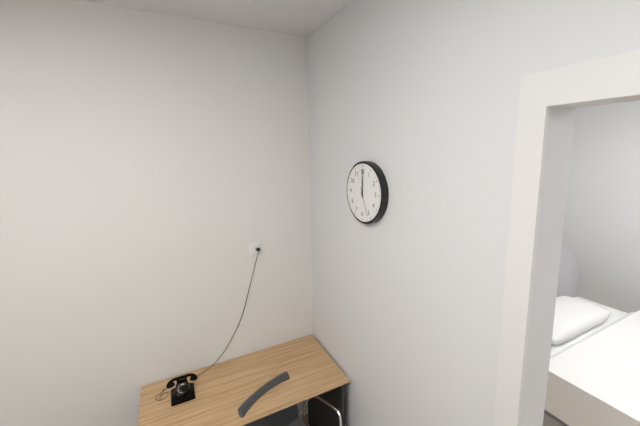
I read **12:00**
